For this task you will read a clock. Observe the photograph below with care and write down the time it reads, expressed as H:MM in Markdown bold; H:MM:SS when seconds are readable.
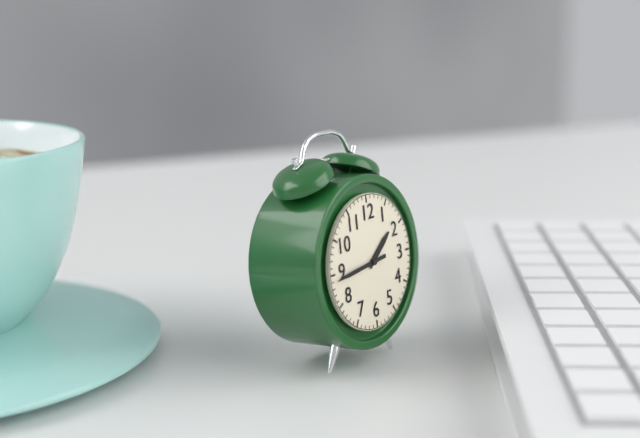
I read **1:44**
